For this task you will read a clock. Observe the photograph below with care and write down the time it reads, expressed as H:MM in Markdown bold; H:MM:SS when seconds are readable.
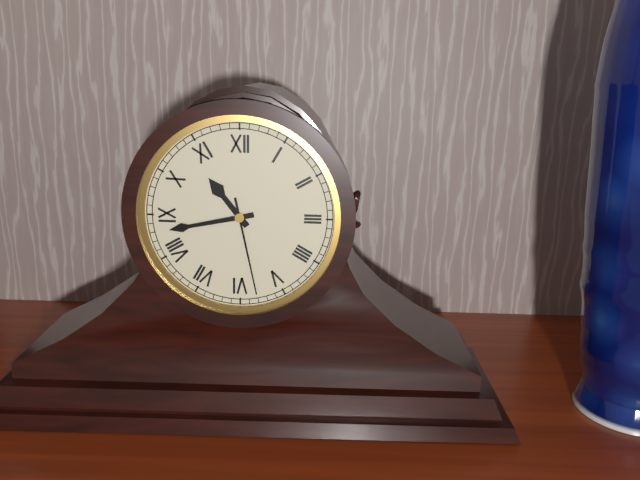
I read **10:43:28**
